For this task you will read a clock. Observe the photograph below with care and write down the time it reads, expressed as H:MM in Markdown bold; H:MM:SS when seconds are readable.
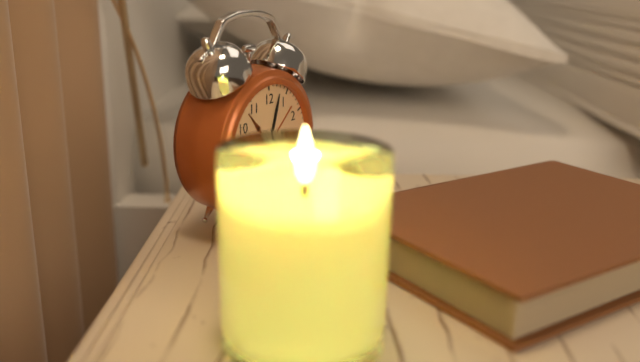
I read **8:03**
